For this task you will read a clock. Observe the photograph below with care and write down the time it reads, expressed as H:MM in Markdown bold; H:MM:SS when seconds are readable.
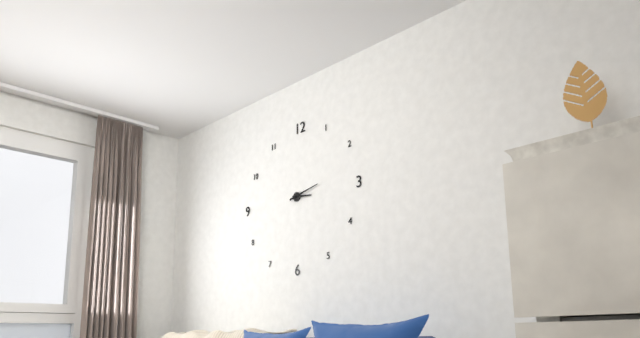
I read **3:13**
